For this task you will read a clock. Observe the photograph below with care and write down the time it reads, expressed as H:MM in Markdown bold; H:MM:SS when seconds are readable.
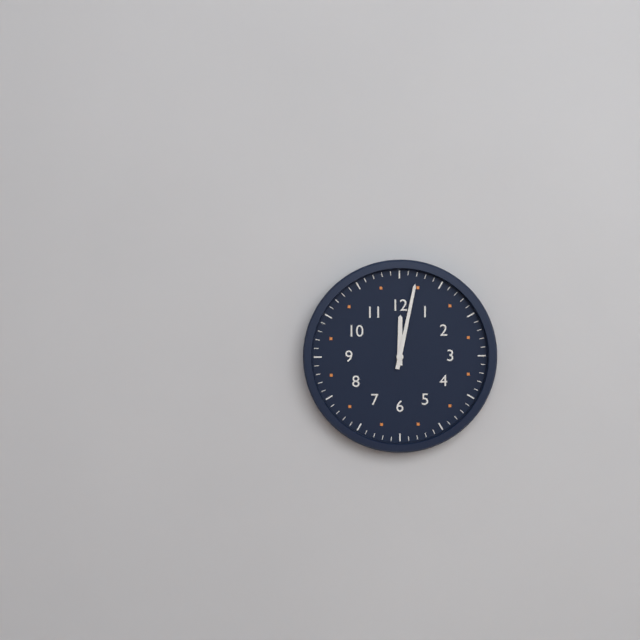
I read **12:02**
